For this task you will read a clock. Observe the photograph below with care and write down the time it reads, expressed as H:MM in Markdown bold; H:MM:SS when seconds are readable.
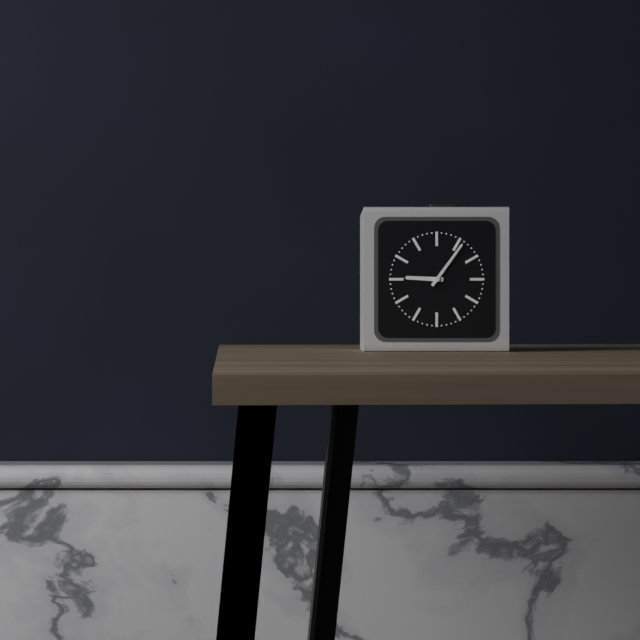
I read **9:06**
